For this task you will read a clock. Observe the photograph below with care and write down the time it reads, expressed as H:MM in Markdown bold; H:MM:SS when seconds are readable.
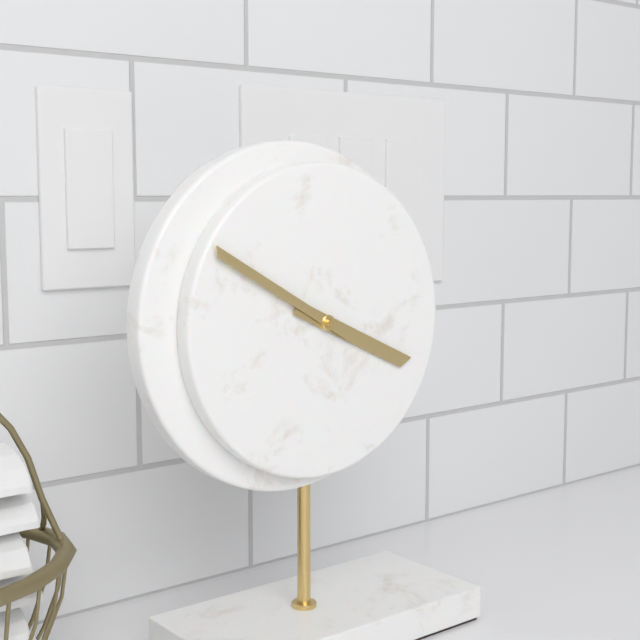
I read **3:50**
